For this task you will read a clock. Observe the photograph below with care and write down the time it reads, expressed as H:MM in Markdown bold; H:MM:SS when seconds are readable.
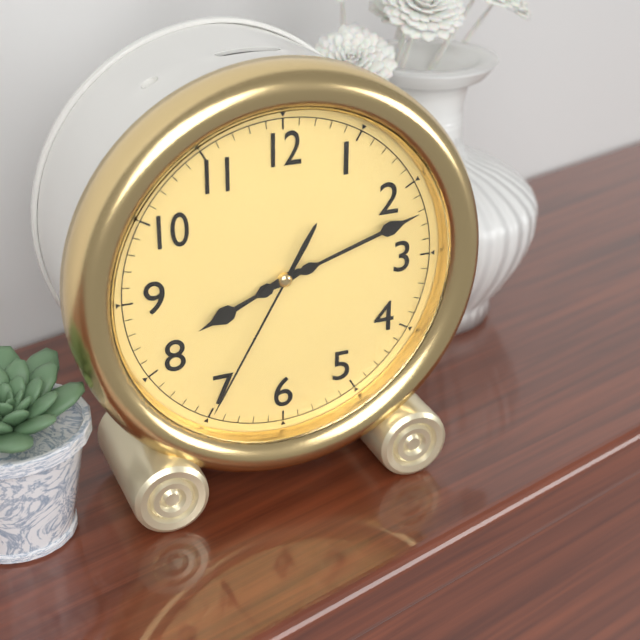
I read **8:12:35**
